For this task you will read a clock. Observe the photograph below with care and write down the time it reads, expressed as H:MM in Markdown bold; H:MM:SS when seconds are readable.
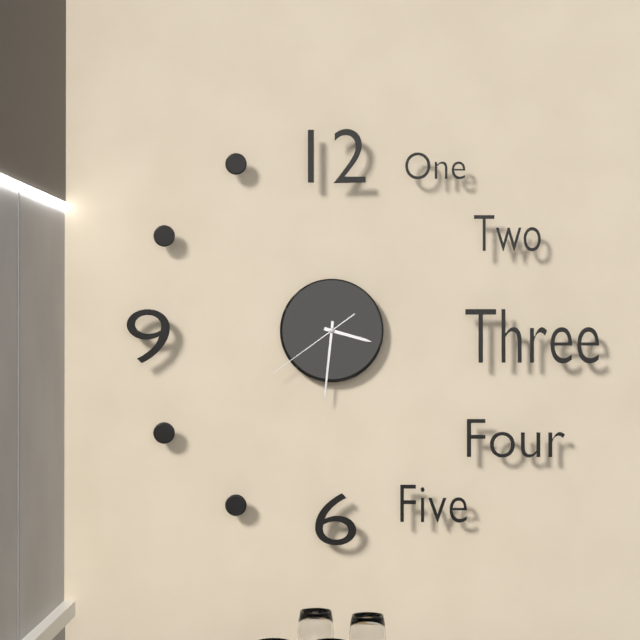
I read **3:31:39**
